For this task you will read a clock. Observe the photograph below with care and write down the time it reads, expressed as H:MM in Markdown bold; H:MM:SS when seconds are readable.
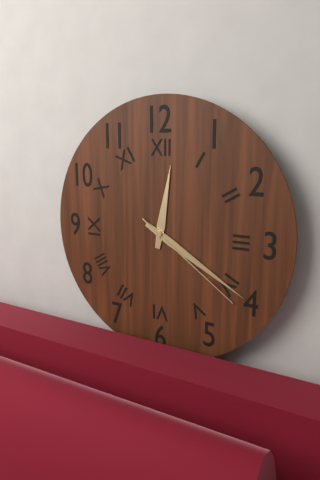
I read **12:20:21**
